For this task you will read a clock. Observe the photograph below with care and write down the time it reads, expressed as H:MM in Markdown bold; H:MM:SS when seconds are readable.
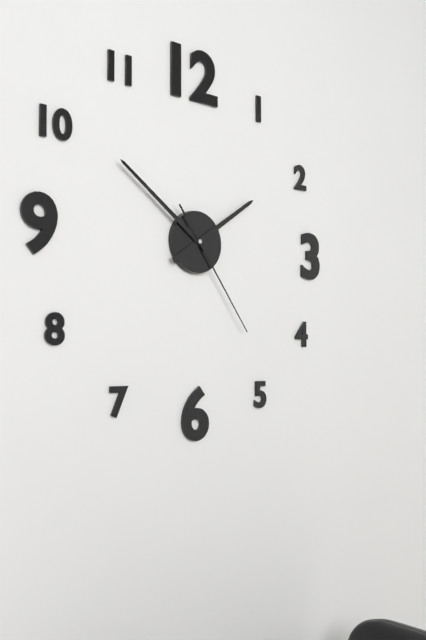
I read **1:51:24**
